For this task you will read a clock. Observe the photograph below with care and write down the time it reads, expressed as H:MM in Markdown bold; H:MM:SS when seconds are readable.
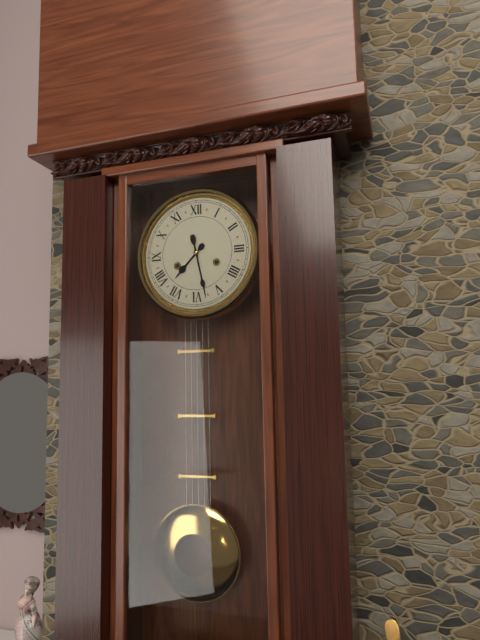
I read **7:28**
